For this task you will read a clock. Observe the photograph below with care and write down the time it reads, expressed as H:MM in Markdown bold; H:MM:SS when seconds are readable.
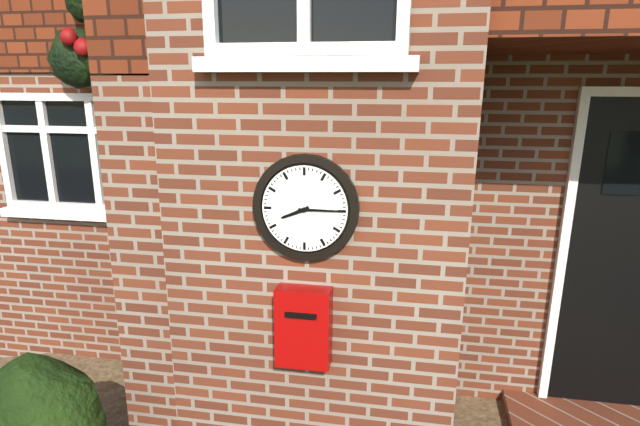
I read **8:15**
